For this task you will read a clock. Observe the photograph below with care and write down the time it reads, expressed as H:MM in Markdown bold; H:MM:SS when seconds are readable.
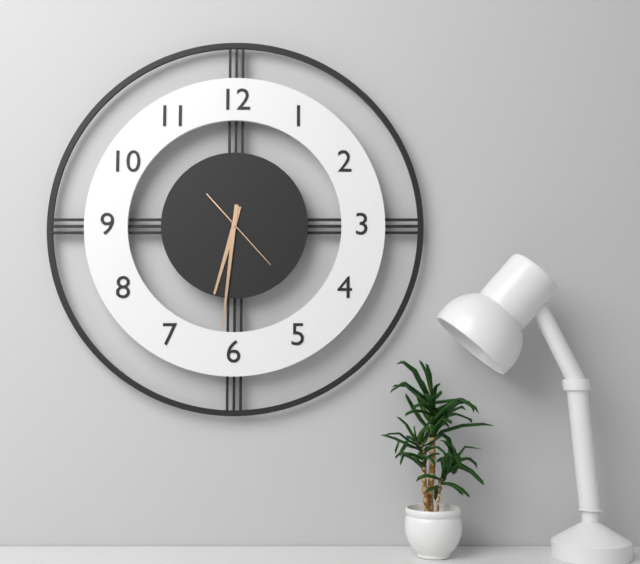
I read **6:31:23**
